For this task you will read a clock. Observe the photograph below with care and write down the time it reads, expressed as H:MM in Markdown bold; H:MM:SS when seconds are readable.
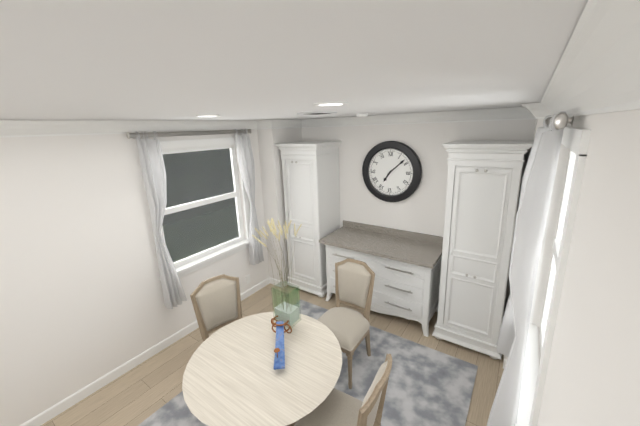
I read **7:08**
